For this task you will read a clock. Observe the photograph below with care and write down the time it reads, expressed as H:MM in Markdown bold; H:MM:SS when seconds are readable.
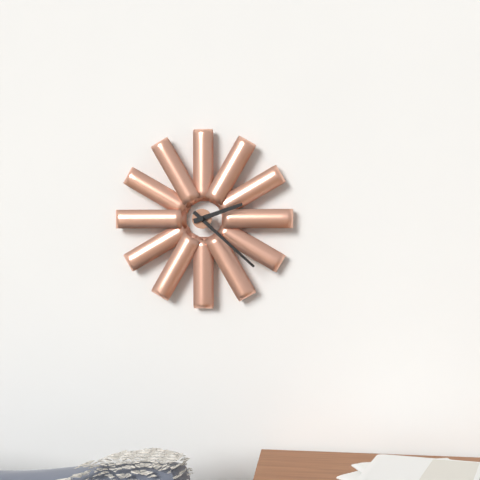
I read **2:22**
